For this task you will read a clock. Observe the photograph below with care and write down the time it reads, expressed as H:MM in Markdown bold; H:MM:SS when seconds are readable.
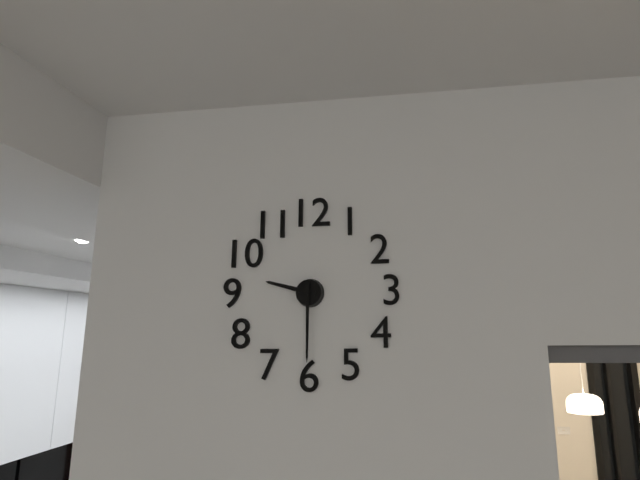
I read **9:30**
